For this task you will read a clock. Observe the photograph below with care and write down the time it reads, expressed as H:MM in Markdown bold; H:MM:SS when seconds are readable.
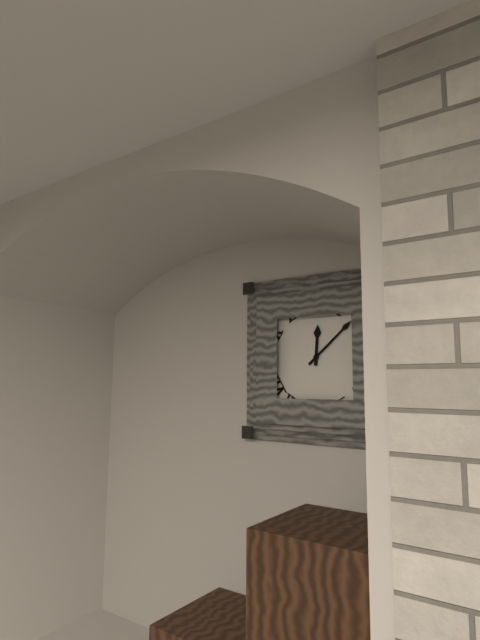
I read **12:08**
